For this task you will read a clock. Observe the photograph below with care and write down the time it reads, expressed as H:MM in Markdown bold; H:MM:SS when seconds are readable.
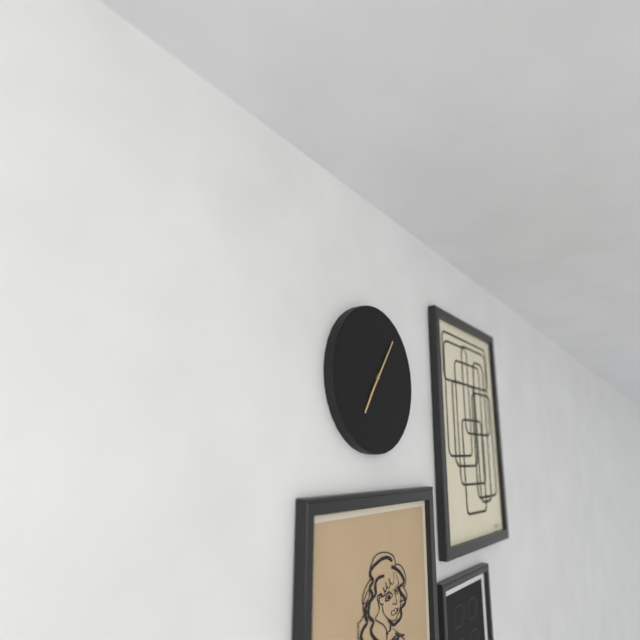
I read **7:06**
